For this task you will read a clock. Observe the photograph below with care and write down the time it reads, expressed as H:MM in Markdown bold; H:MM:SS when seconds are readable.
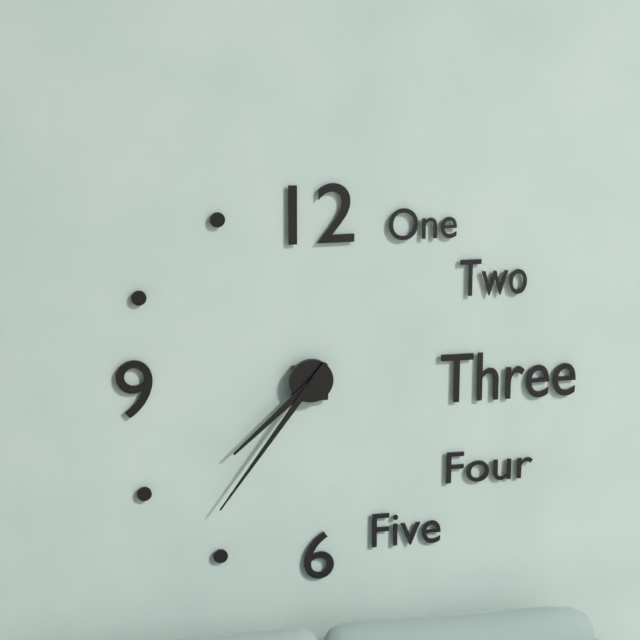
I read **7:36**
